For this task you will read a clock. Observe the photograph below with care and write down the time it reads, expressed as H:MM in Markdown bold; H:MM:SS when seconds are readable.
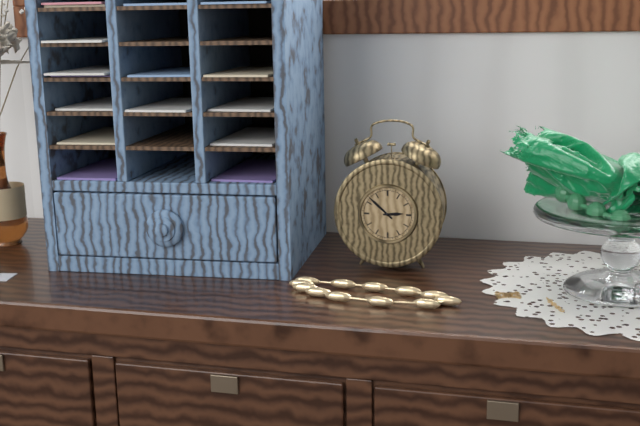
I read **2:52**
